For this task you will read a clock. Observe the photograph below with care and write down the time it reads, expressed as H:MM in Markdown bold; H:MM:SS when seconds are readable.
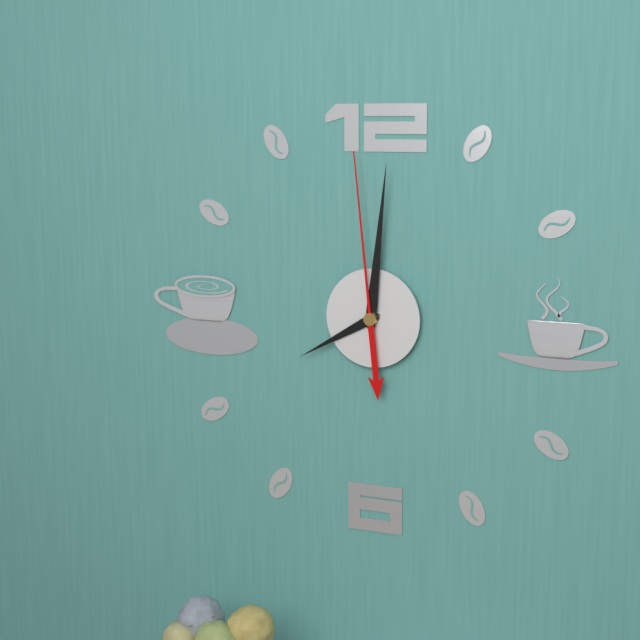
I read **8:01:59**
